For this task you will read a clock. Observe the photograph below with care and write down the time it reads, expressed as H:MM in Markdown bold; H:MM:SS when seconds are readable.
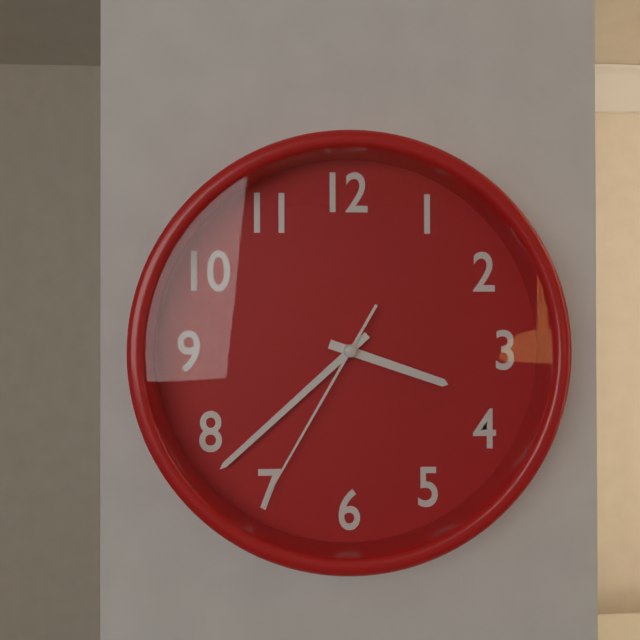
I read **3:38:35**
